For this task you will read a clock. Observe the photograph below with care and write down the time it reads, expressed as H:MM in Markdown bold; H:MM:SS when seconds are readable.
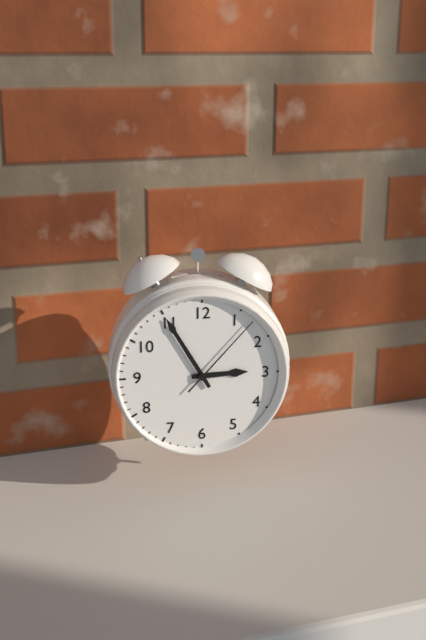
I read **2:55:07**
